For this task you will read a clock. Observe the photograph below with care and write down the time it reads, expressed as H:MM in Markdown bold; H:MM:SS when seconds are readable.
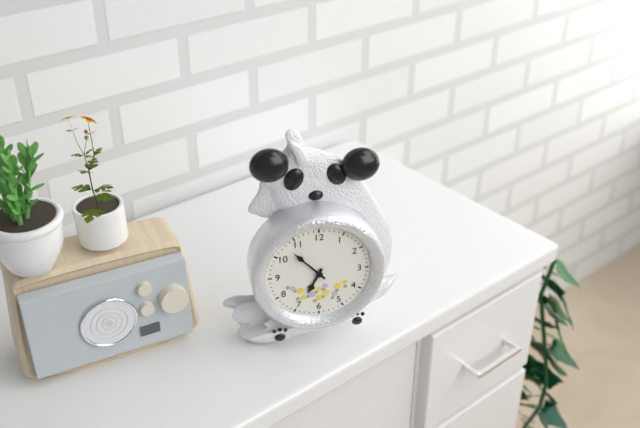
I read **6:53**
